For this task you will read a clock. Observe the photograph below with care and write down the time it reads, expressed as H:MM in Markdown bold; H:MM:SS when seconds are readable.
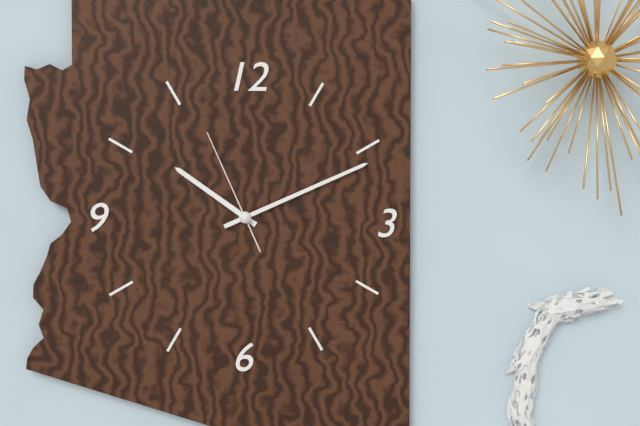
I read **10:11:56**
